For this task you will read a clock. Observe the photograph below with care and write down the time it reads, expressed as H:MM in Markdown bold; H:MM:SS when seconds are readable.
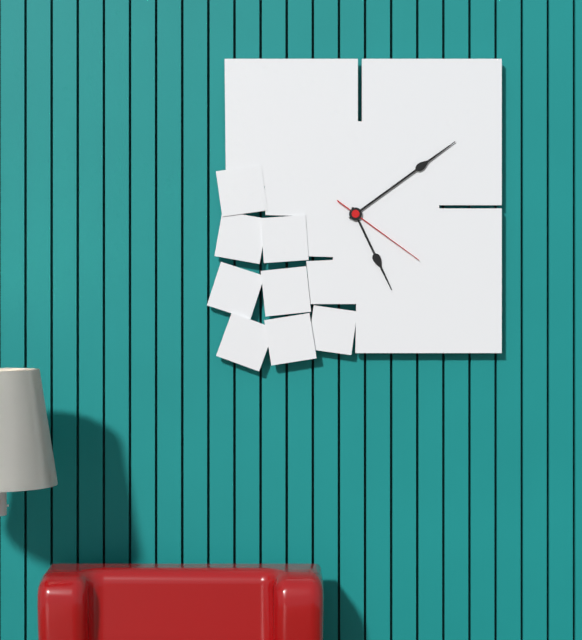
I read **5:09:21**
